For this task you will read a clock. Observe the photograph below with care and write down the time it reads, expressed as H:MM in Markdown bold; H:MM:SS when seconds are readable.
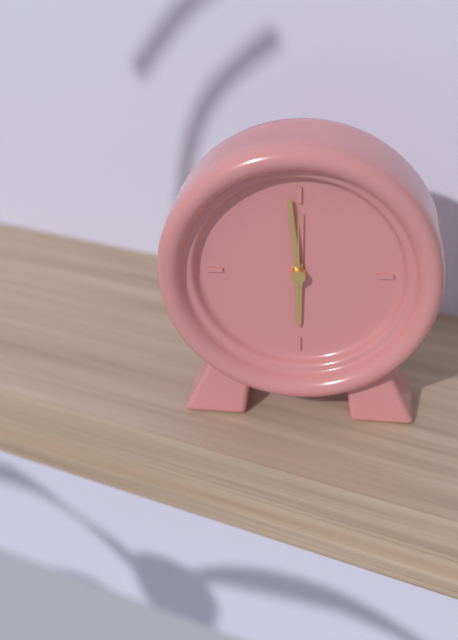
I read **5:59:00**
